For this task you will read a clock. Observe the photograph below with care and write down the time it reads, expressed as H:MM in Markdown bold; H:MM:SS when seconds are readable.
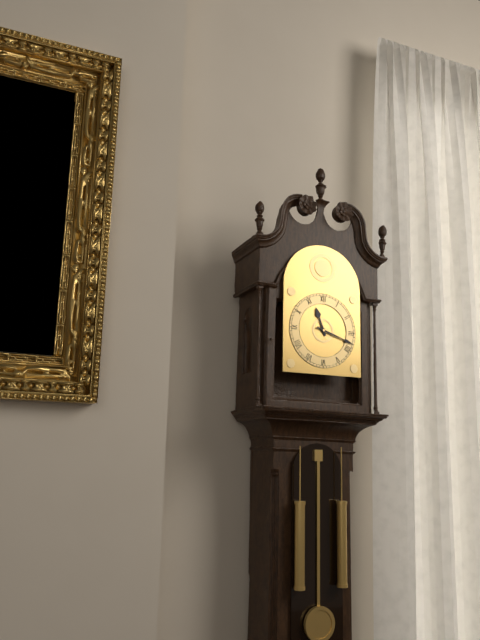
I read **11:18**
